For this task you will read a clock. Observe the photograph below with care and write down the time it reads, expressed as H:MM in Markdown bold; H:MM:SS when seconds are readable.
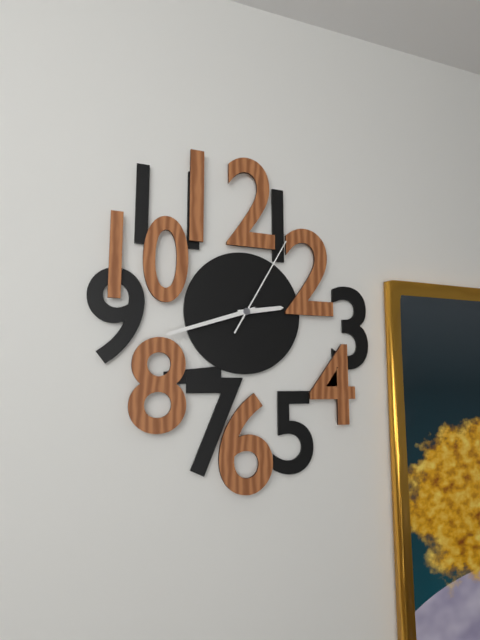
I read **2:42:05**
